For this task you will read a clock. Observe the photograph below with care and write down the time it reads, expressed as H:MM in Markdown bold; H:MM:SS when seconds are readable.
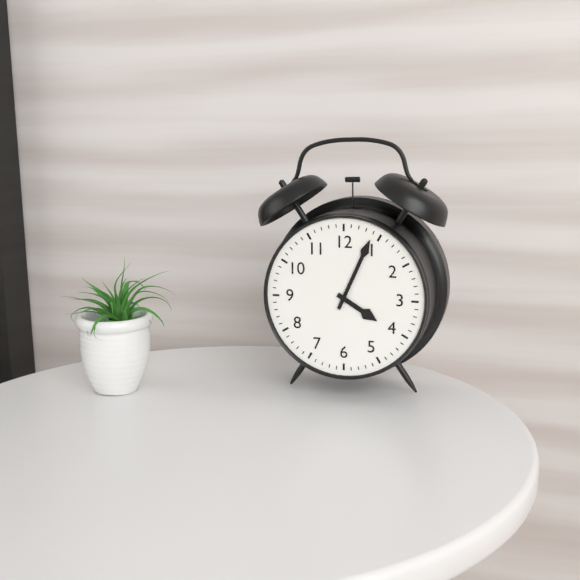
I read **4:04**
